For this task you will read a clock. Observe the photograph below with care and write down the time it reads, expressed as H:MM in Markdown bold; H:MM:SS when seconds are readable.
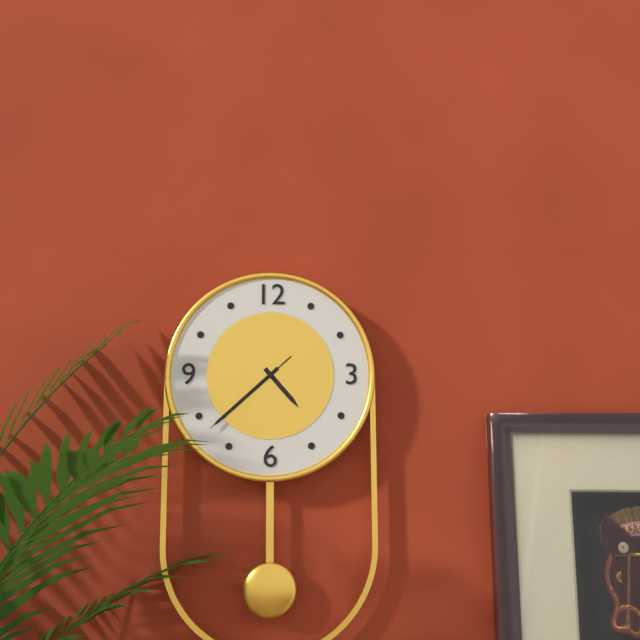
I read **4:38:38**
